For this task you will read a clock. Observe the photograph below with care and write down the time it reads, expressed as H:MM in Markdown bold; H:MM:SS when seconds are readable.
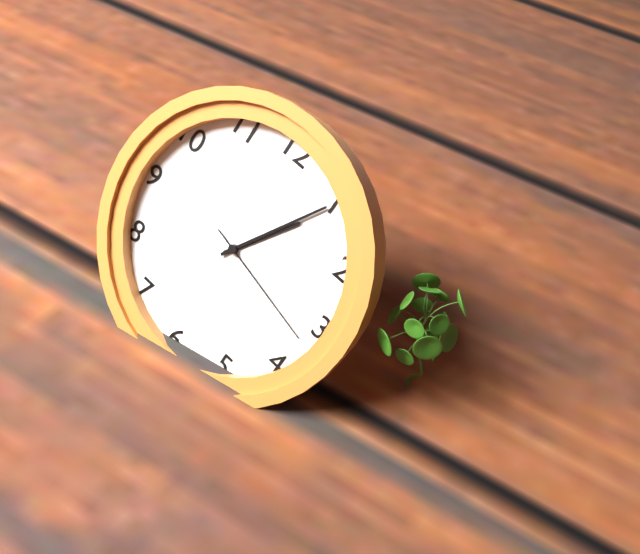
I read **1:05:17**
